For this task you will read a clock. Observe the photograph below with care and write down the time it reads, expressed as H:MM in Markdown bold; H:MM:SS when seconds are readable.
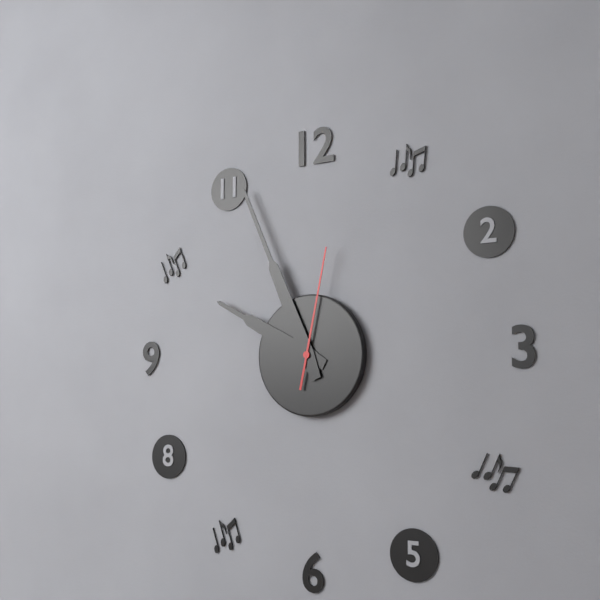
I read **9:56:02**
